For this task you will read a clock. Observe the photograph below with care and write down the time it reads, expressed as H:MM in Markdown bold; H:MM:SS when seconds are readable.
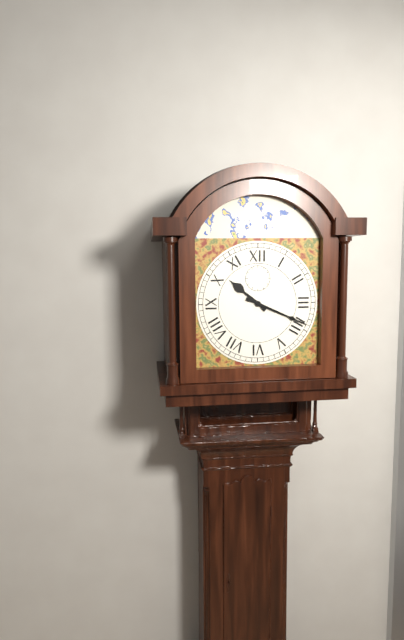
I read **10:19**
